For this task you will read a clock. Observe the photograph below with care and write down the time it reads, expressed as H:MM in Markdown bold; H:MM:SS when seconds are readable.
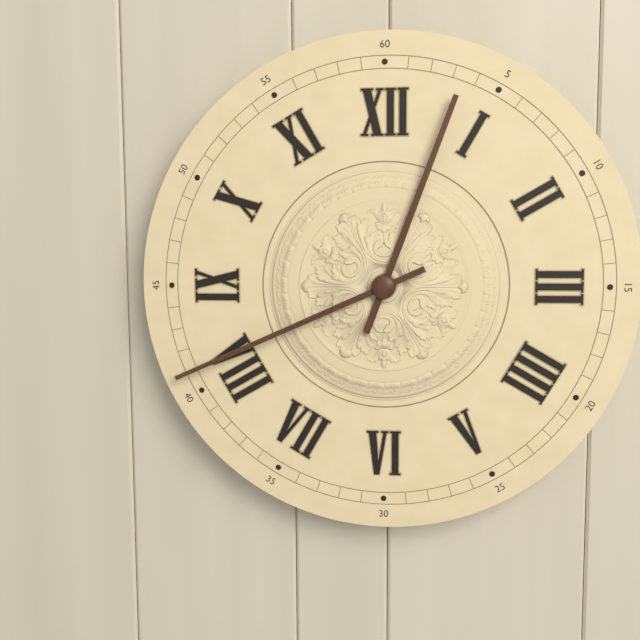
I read **12:41**
